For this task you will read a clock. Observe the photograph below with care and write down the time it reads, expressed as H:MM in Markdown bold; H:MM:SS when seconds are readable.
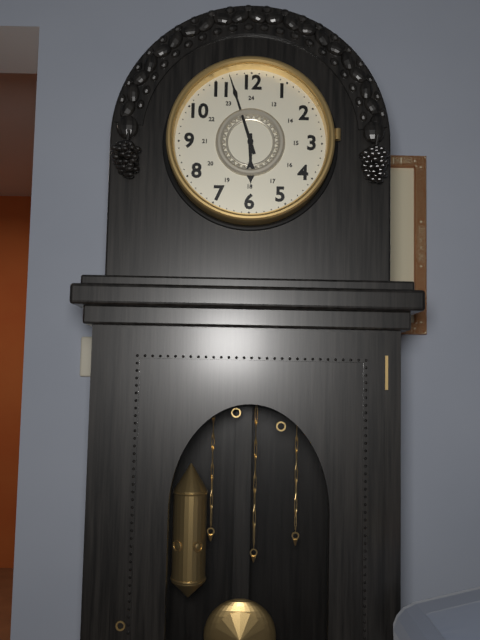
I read **5:57**
